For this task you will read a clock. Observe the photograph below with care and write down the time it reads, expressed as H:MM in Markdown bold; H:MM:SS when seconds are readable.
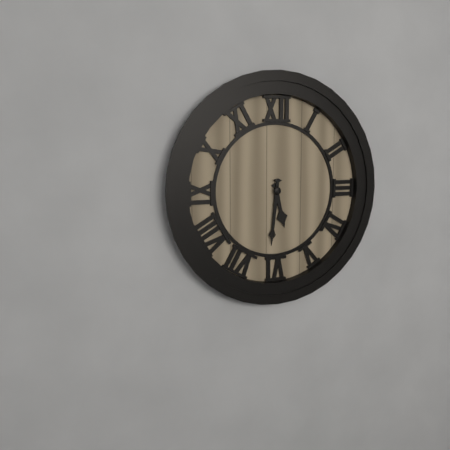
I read **5:31**
